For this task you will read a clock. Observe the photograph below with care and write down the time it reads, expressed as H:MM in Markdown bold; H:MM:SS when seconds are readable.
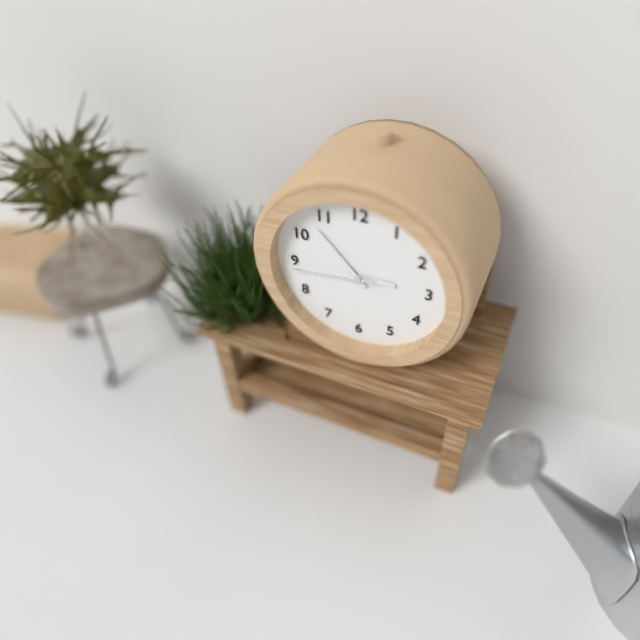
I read **2:53:44**
